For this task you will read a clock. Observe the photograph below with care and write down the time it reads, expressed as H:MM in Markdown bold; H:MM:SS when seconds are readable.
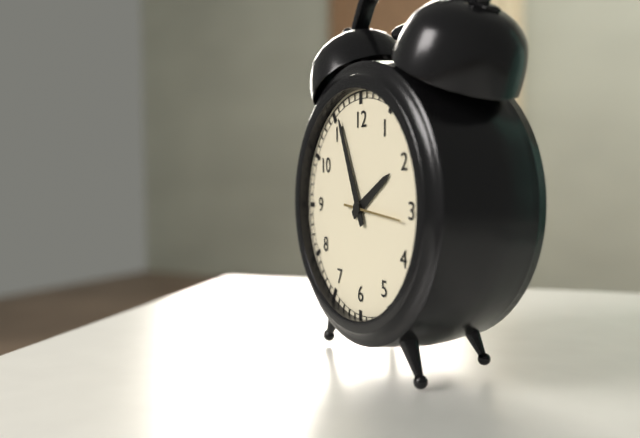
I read **1:56**
